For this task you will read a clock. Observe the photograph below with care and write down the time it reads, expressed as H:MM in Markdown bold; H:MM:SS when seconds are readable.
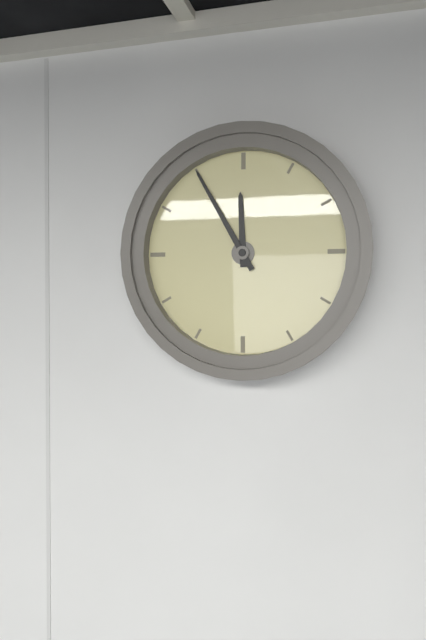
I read **11:55**
